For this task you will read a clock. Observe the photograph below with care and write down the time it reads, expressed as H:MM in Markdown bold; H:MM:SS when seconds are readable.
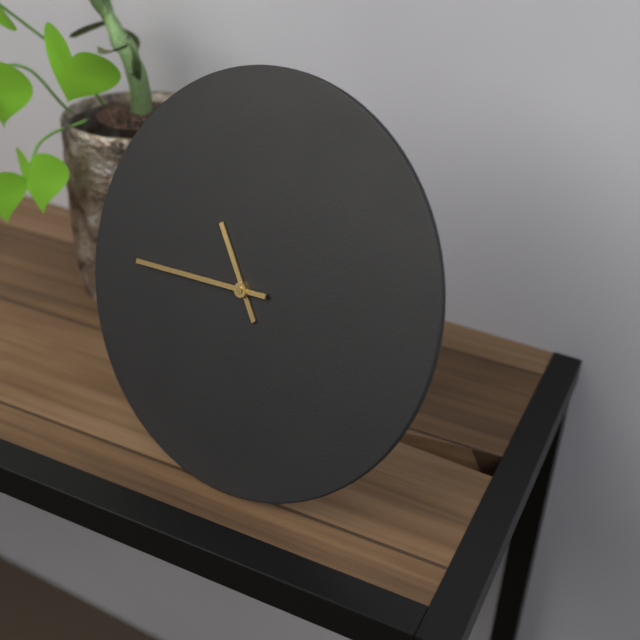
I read **10:44**
